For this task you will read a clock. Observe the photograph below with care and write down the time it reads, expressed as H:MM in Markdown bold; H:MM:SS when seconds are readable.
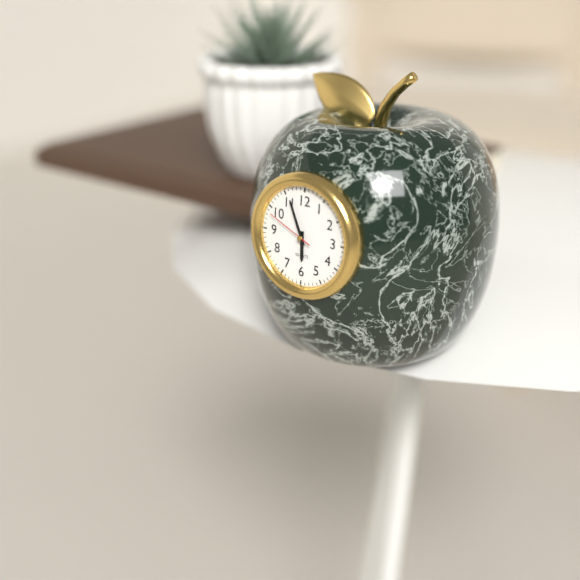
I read **5:56:49**
